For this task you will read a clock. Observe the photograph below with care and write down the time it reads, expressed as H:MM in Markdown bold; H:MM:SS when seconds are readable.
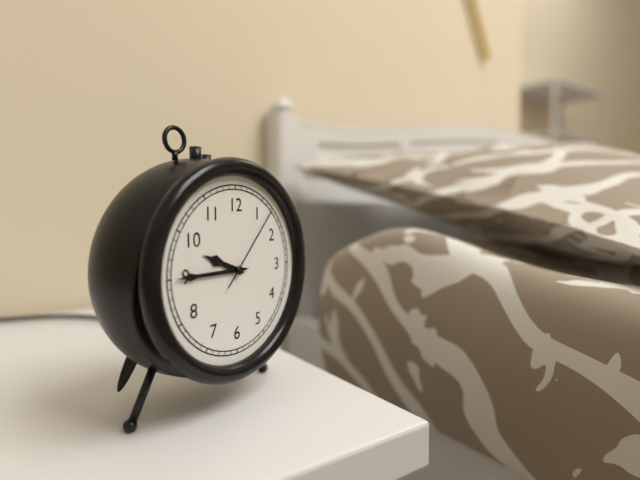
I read **9:45:07**
